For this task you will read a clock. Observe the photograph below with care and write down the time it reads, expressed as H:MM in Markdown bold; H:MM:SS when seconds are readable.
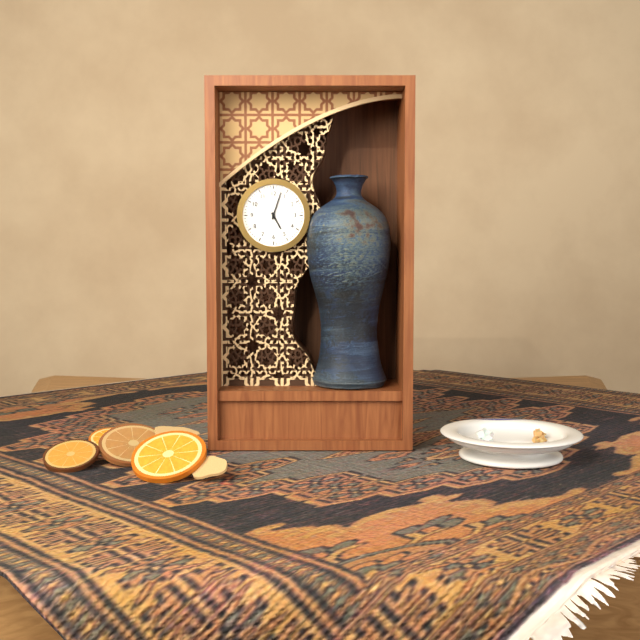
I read **5:03**
